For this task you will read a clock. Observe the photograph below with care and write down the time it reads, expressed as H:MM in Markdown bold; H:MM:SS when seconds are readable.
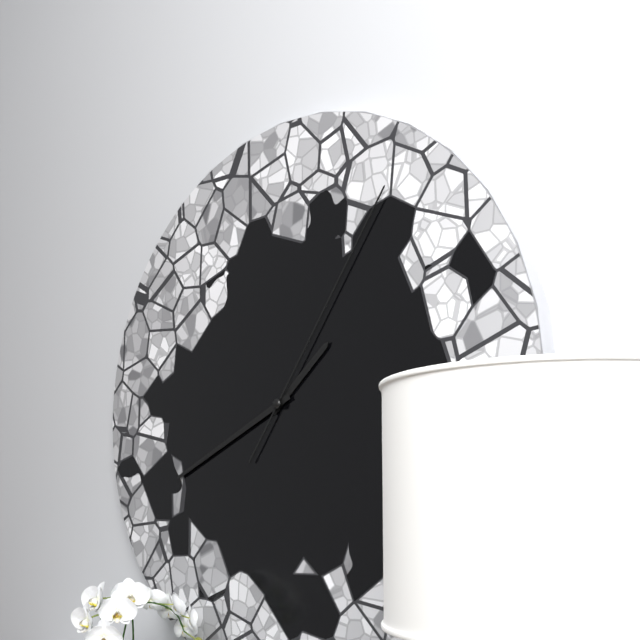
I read **1:41:06**
